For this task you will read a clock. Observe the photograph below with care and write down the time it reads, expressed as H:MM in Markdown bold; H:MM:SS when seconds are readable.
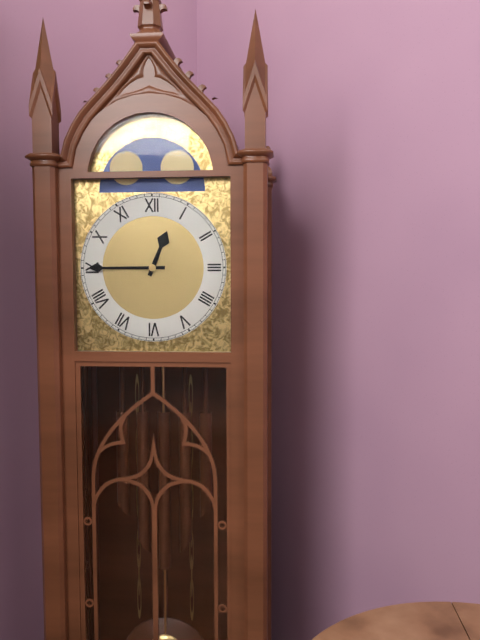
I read **12:45**
